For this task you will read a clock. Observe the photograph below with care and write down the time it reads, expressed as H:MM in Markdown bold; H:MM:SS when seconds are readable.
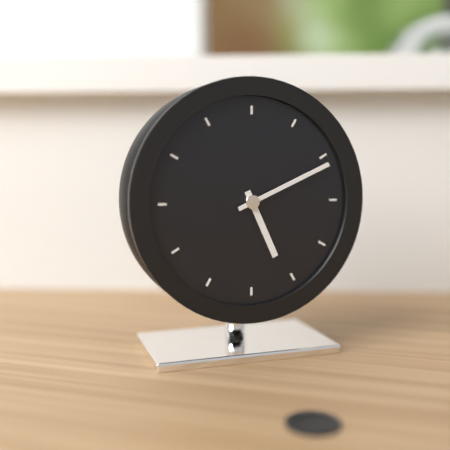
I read **5:11**
